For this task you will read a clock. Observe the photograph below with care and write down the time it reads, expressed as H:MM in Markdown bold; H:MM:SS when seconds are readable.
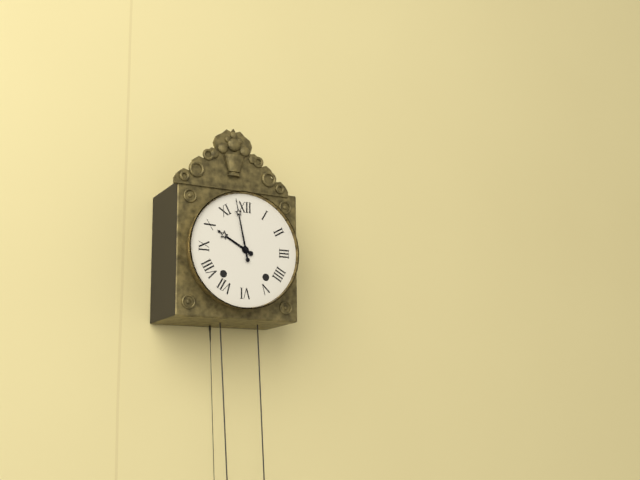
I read **9:58**
